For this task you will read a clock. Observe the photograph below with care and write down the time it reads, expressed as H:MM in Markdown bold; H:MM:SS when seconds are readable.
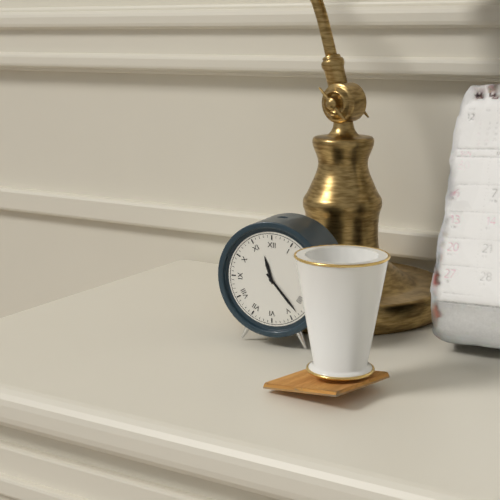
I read **11:23**
